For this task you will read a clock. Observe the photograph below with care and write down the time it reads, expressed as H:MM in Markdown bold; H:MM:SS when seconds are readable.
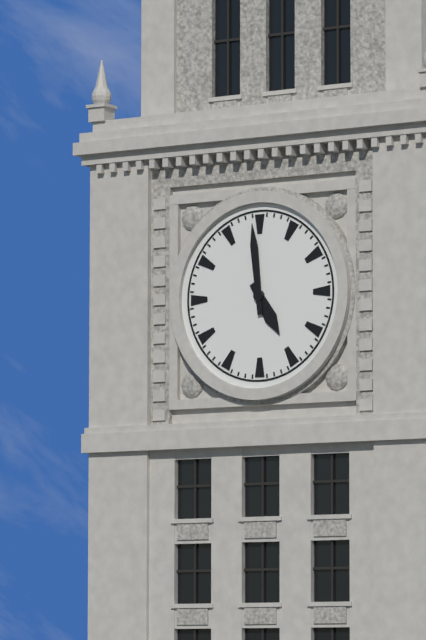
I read **4:59**
